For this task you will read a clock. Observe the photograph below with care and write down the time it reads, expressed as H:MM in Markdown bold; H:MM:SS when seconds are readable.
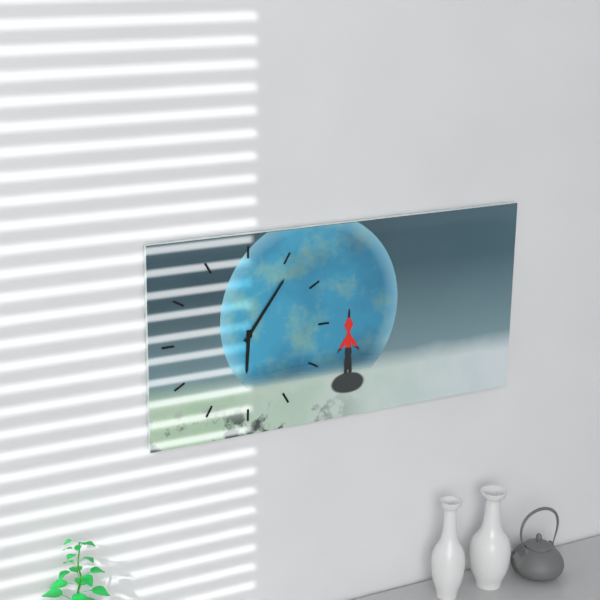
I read **6:06**
